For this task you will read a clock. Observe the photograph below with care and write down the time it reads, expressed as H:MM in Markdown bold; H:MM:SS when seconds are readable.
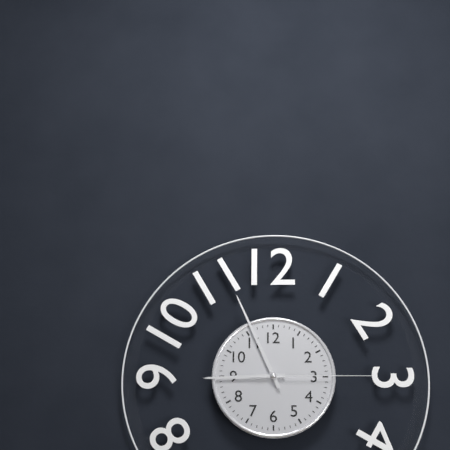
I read **8:56:15**
